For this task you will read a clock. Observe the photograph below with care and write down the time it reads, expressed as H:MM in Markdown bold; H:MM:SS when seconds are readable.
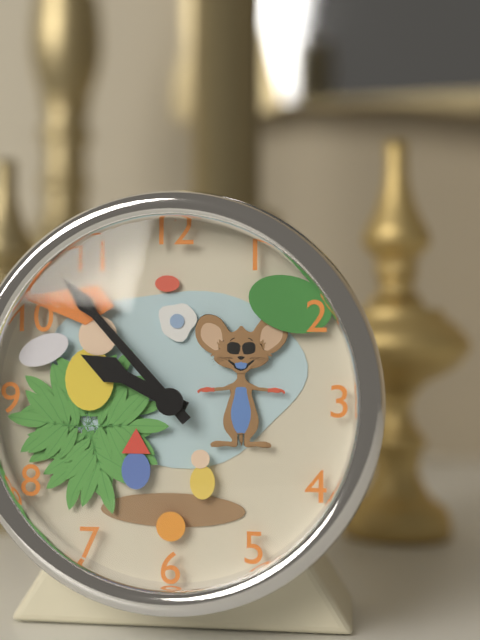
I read **9:53**
